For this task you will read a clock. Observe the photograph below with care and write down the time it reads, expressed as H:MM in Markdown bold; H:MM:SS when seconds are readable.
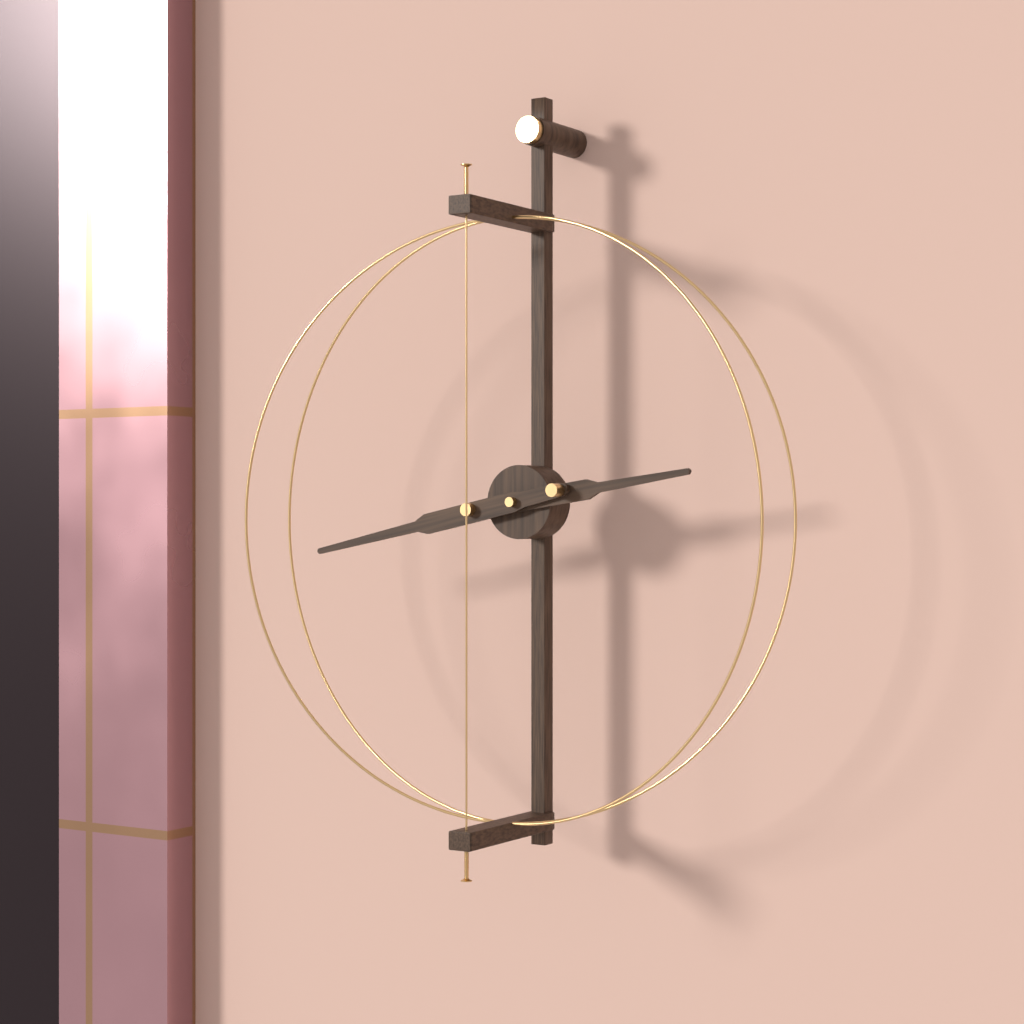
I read **2:43**
